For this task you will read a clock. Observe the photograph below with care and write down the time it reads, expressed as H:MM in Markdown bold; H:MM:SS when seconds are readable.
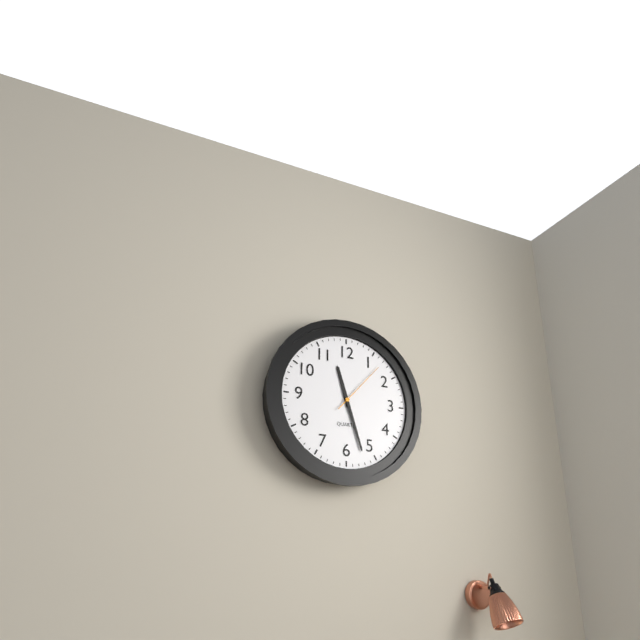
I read **11:27:07**
